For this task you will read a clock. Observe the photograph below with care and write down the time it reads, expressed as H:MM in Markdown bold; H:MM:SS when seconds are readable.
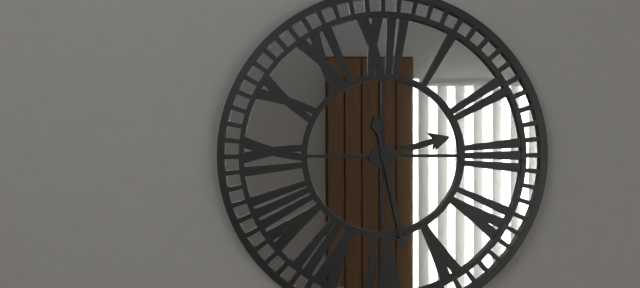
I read **2:28**
